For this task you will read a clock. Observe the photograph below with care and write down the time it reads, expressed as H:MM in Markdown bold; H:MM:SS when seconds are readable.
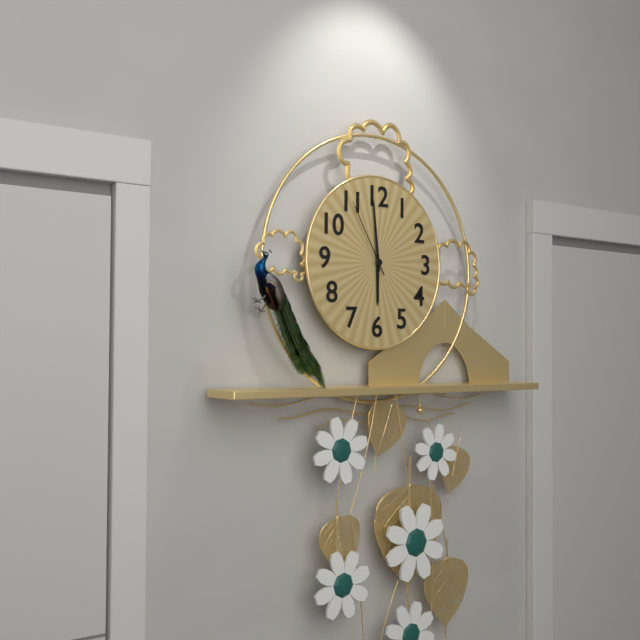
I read **5:59:55**
